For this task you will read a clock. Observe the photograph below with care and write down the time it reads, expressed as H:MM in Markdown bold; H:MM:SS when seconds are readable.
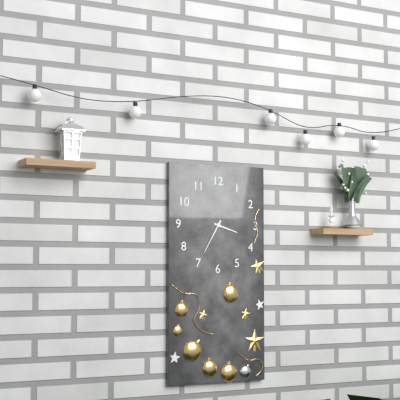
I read **3:35**
